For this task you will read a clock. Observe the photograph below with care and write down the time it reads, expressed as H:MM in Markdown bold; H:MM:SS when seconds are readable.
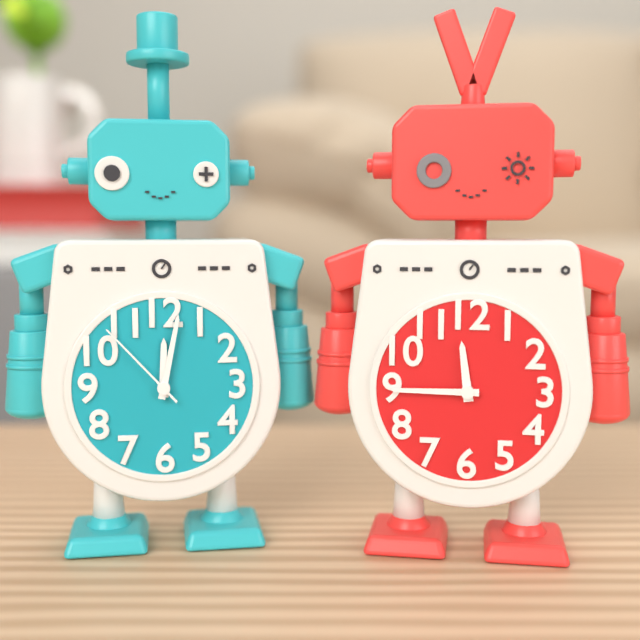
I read **12:02:53**
